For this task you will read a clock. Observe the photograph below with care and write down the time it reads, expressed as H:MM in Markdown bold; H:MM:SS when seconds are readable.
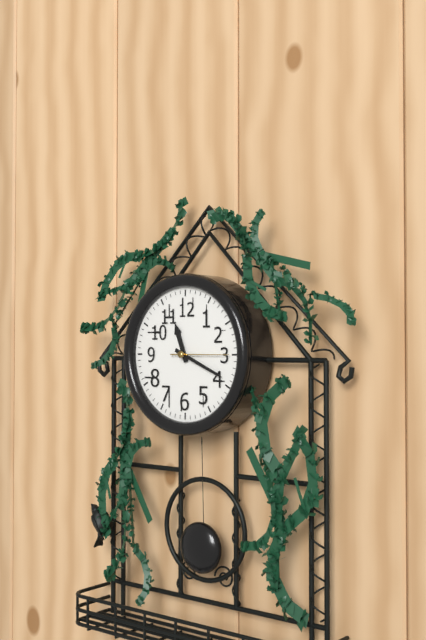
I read **11:19:15**
